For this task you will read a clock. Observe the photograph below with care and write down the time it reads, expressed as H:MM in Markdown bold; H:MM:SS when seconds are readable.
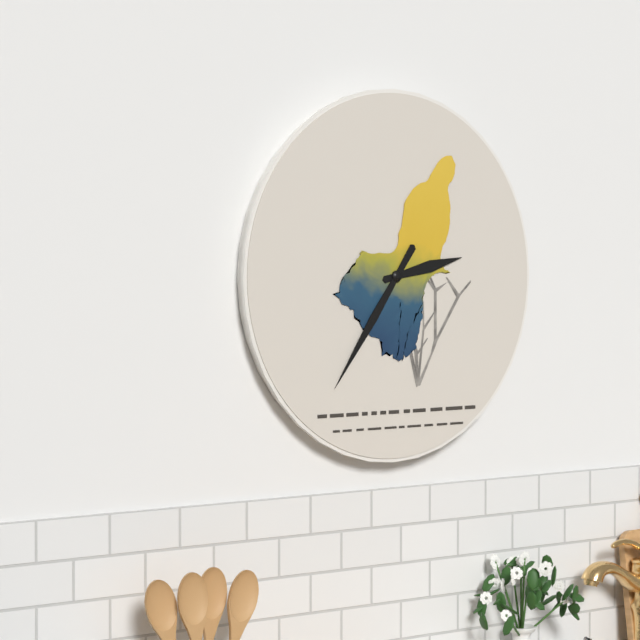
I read **2:36**
